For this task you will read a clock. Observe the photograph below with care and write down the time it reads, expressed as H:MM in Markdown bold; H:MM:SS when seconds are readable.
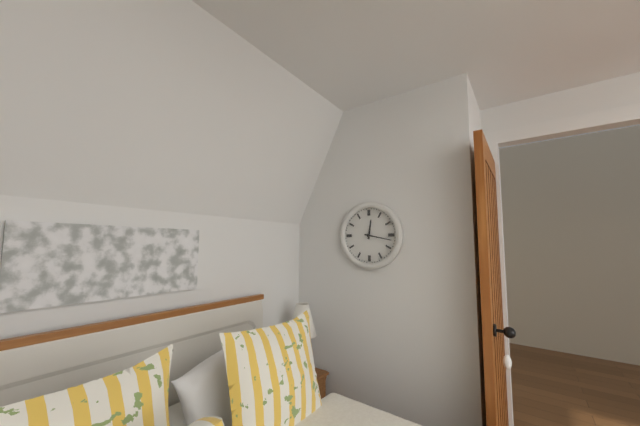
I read **12:17**
